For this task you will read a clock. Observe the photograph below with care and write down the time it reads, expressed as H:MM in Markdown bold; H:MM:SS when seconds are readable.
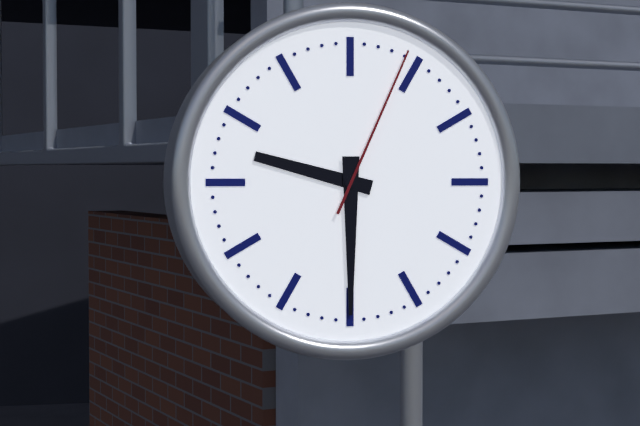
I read **9:30:04**
